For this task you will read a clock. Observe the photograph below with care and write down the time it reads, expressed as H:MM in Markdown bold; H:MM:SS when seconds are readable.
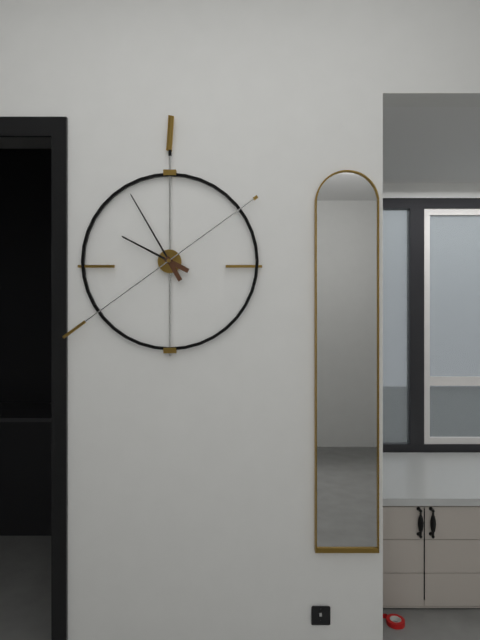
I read **9:55:39**
